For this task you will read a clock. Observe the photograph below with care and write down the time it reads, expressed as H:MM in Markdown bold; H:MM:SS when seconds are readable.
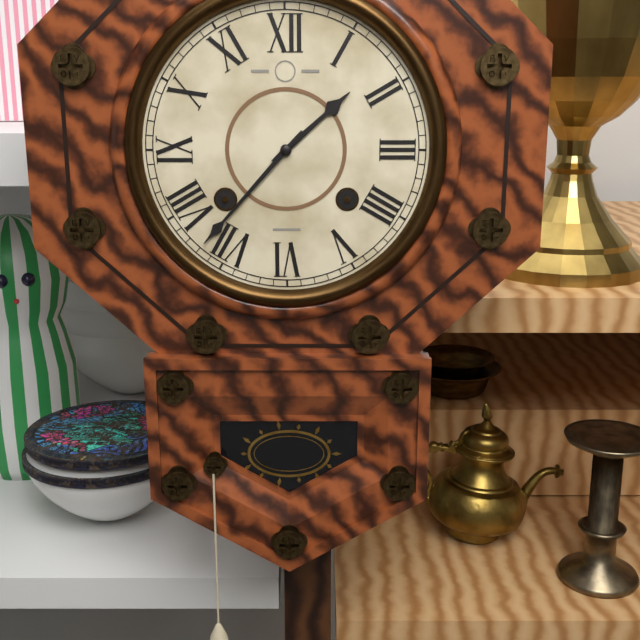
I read **1:37**
